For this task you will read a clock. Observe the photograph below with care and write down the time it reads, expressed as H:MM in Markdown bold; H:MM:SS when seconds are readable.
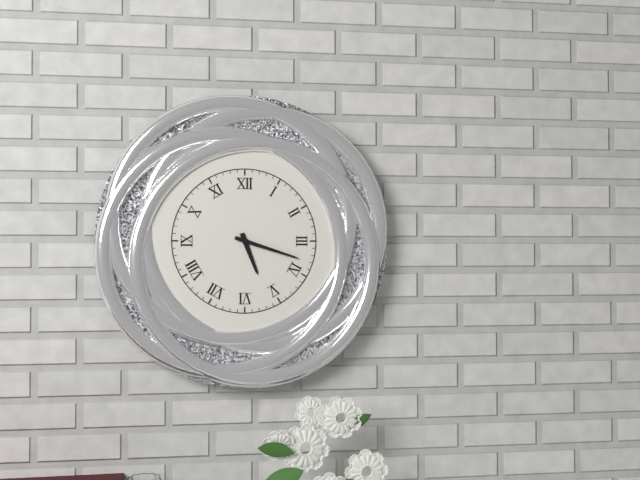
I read **5:18**
